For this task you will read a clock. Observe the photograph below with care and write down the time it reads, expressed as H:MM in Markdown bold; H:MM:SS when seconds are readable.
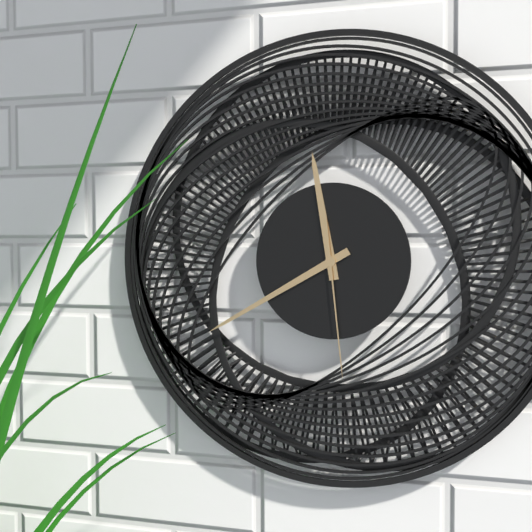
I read **11:40:29**
